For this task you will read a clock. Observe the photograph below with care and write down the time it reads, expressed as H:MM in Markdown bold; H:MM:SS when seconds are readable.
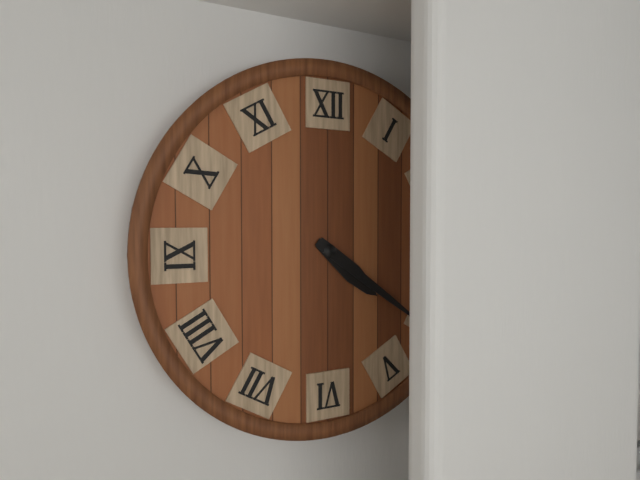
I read **4:21**
